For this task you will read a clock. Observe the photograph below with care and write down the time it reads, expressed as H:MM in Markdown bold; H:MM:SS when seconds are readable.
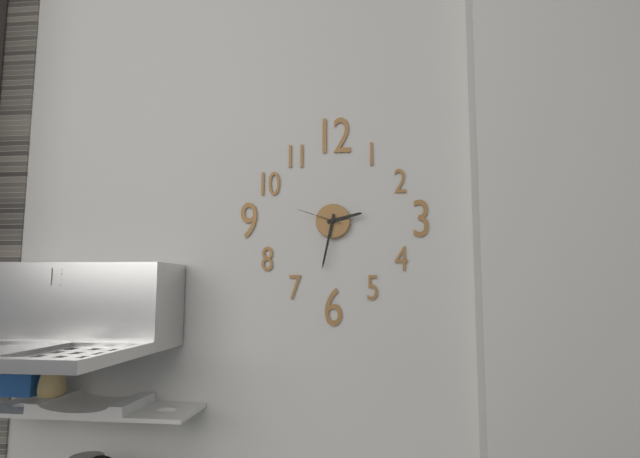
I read **2:32**
